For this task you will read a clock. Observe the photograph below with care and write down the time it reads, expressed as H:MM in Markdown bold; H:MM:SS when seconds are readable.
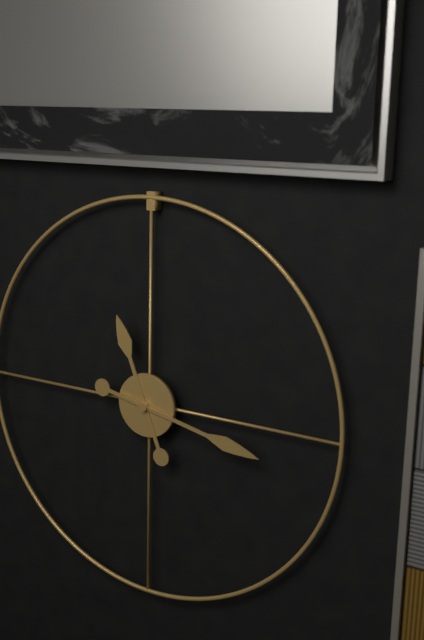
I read **11:17**
